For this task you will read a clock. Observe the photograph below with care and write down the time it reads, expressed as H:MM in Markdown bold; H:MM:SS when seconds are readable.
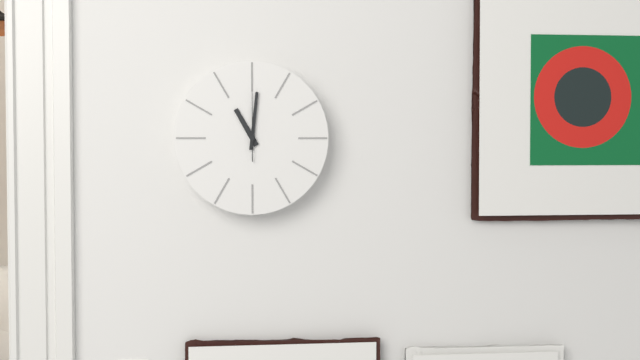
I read **11:01:00**
